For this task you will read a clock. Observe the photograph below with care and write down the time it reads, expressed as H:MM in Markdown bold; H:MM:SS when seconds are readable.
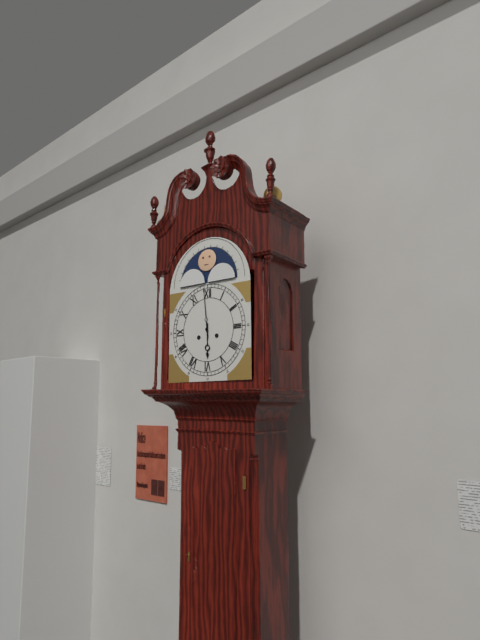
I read **5:59**
